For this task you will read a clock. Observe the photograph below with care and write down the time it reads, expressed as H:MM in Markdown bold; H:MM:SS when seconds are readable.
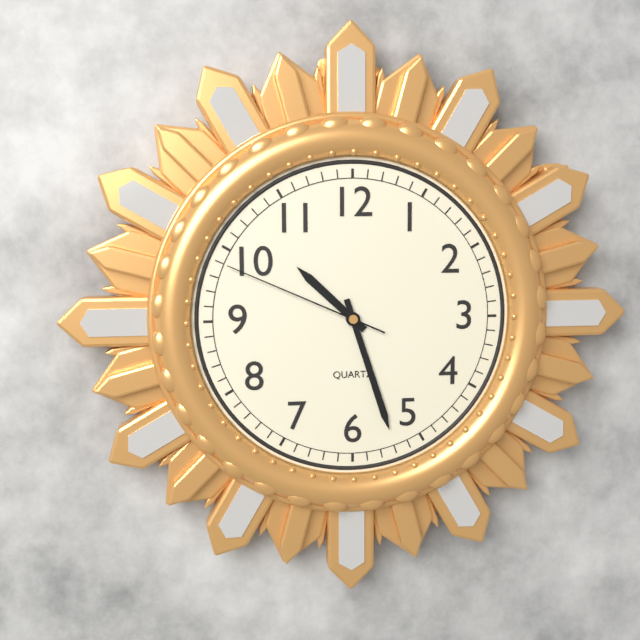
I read **10:27:49**
